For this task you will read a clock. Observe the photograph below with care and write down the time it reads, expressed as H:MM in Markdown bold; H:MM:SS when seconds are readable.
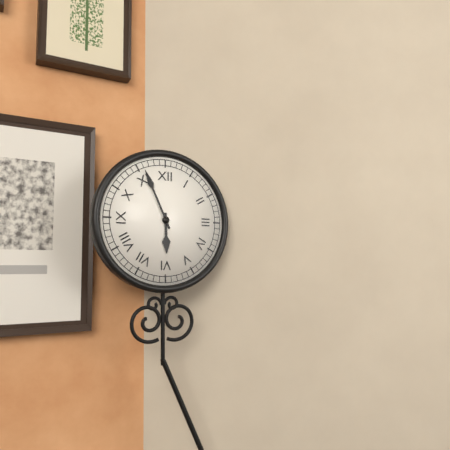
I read **5:56**
